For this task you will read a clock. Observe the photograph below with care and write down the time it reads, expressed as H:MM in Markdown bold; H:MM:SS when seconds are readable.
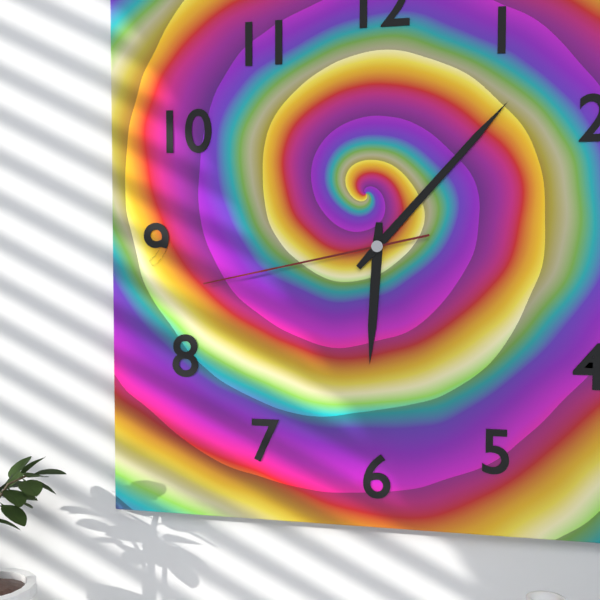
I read **6:07:43**
